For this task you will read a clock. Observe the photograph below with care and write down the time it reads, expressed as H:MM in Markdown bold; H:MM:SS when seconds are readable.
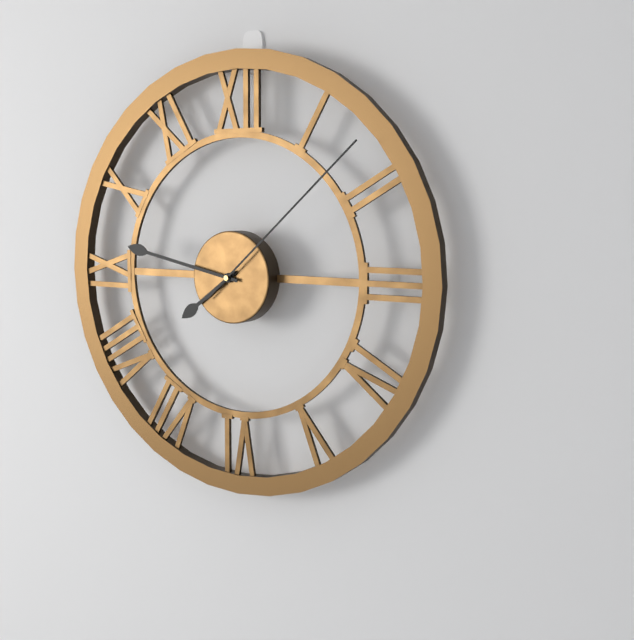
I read **7:47:08**
